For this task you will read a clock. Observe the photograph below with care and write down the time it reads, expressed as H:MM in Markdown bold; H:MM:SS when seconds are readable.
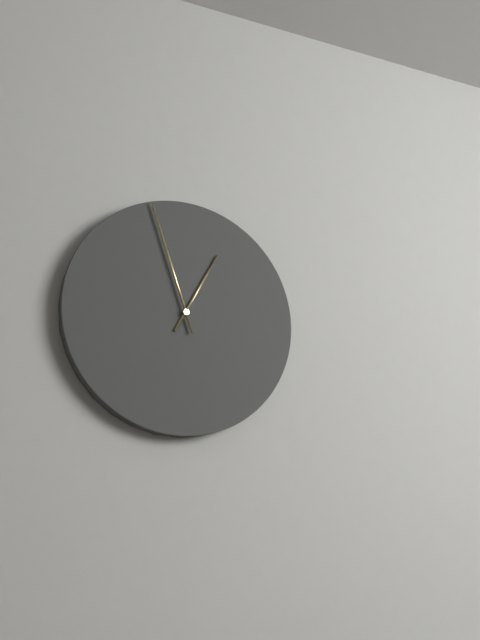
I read **12:57**
